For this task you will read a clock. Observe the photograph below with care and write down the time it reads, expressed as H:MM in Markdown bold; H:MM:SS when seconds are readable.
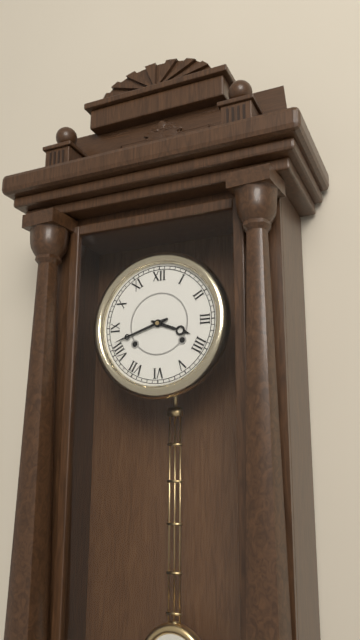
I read **3:42**
